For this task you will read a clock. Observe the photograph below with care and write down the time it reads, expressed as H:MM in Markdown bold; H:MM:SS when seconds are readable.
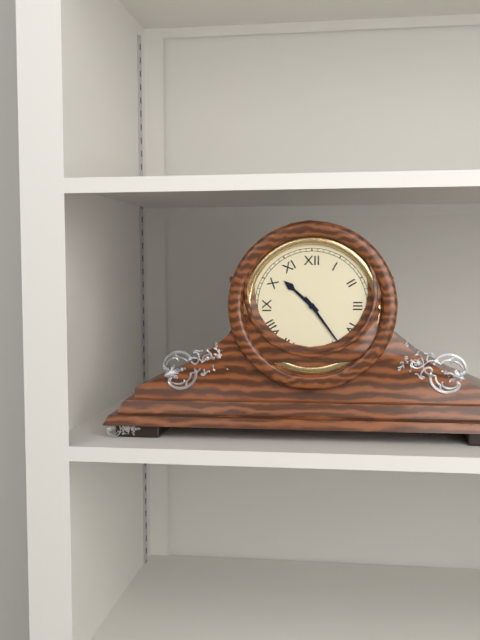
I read **10:24**
